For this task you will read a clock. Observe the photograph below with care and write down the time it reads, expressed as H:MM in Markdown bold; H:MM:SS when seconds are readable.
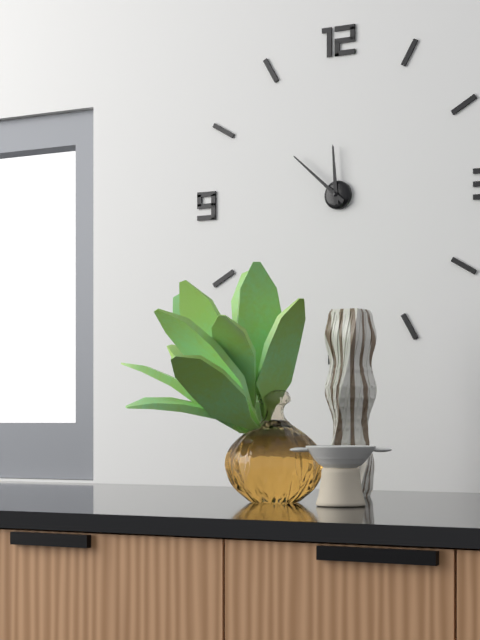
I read **11:52**
